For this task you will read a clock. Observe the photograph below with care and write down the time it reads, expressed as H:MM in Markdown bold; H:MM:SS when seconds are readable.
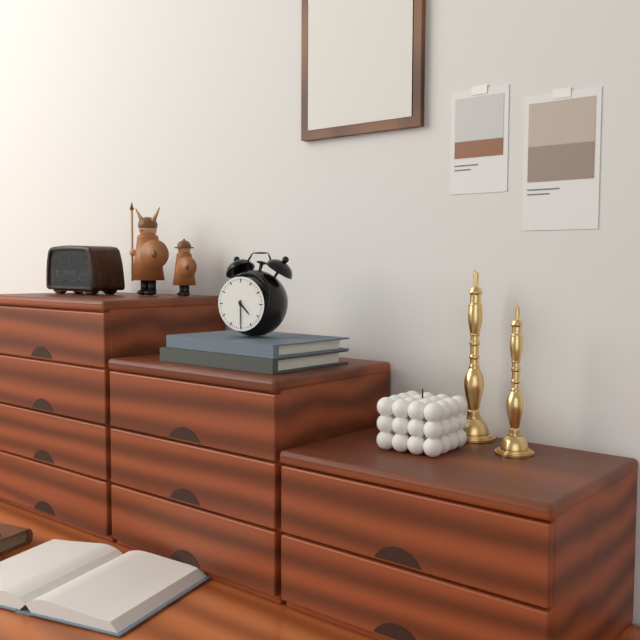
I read **4:30**
